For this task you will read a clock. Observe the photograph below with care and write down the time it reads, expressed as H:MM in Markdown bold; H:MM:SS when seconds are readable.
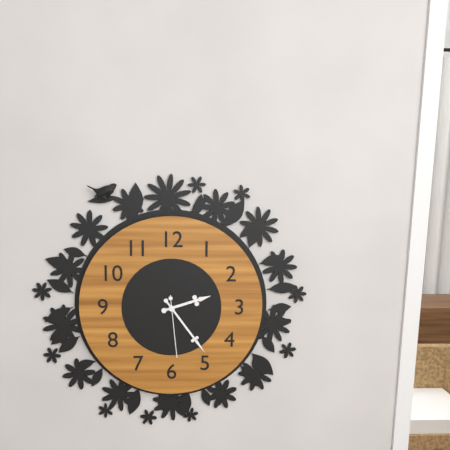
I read **2:24:29**
